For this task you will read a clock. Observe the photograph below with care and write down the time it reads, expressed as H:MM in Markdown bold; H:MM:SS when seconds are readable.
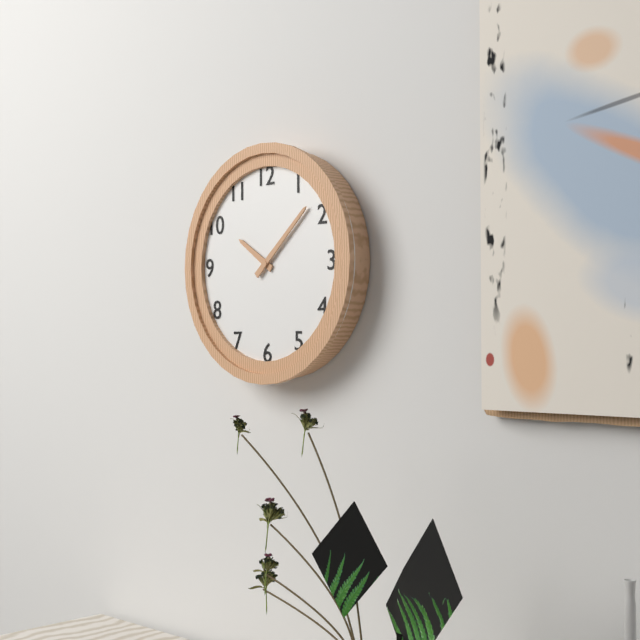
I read **10:08**
